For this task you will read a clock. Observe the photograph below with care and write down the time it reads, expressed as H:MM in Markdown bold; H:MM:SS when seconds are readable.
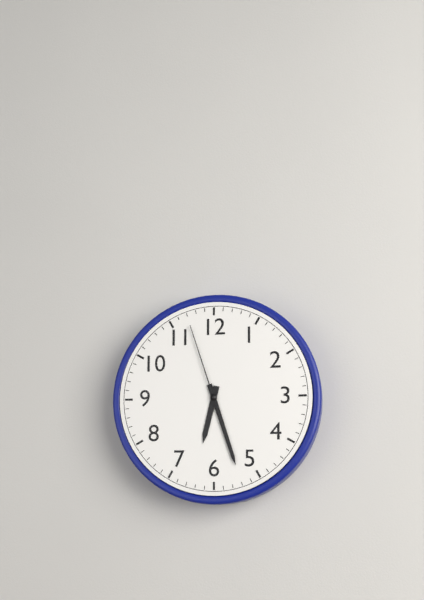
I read **6:27:57**
